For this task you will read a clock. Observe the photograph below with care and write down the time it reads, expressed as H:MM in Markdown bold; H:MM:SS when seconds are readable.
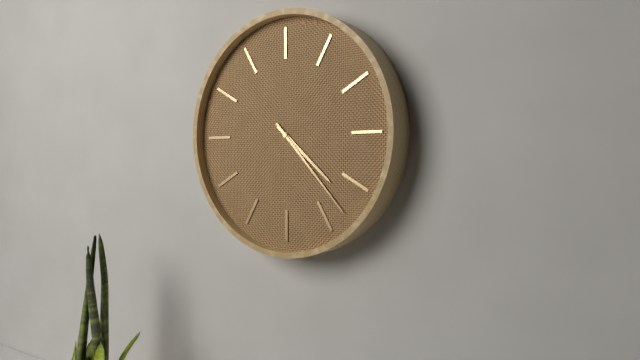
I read **4:23**
